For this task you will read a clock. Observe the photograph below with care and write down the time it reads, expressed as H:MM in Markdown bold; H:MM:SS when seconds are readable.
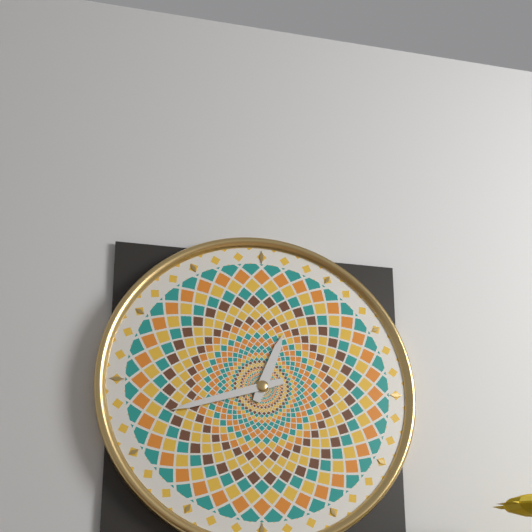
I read **12:42**
